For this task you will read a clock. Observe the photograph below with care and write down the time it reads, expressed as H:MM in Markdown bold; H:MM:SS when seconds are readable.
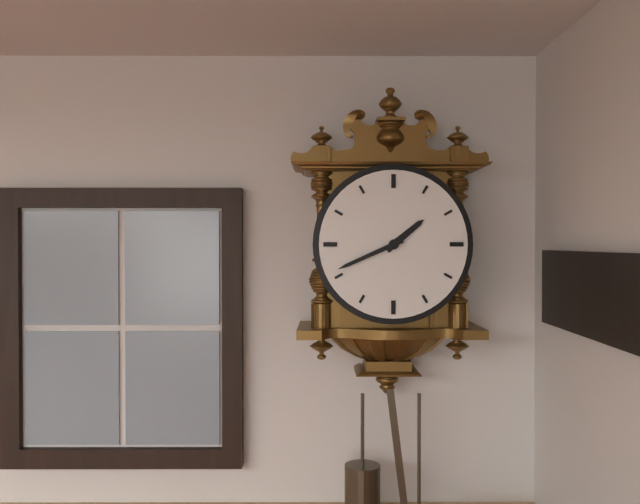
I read **1:41**
